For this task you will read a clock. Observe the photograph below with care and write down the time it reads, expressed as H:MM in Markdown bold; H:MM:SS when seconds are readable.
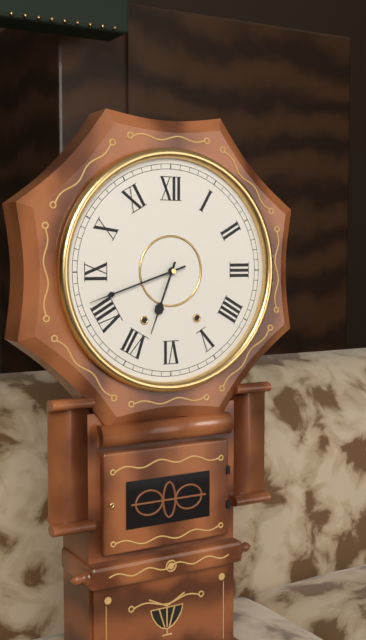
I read **6:42**
